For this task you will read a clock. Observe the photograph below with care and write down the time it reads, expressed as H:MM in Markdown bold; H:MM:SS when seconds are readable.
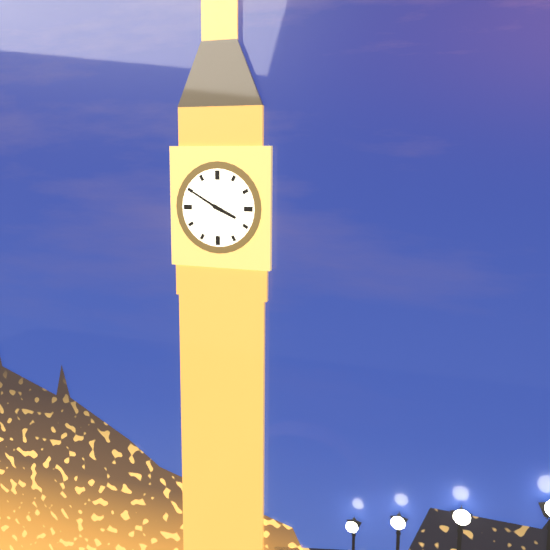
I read **3:50**
